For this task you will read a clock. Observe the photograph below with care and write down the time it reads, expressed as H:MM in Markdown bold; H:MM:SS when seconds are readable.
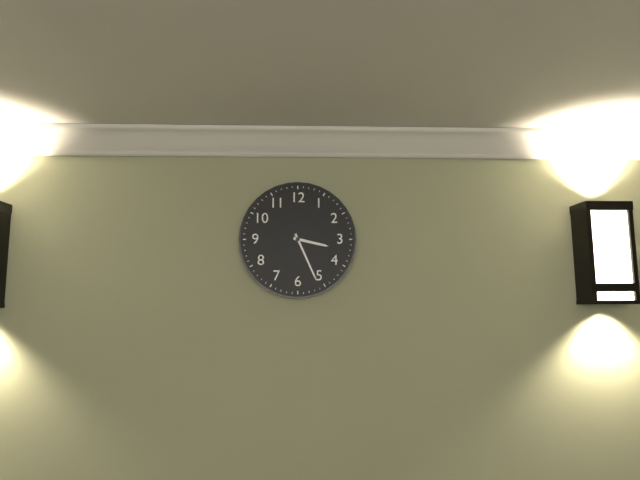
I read **3:26**
